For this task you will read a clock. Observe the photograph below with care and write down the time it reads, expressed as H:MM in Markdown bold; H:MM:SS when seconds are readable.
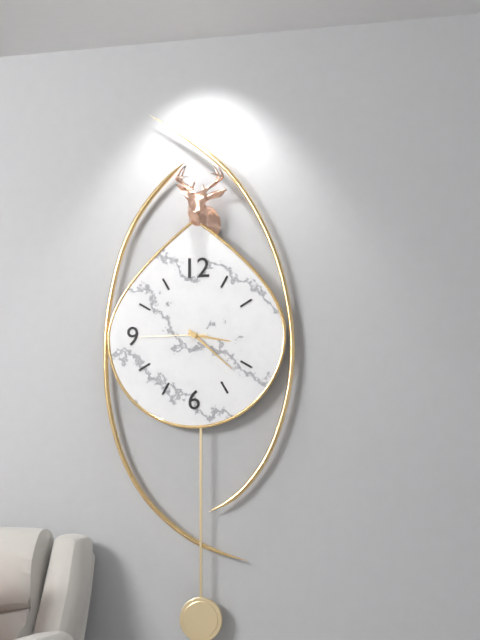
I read **3:22:45**
